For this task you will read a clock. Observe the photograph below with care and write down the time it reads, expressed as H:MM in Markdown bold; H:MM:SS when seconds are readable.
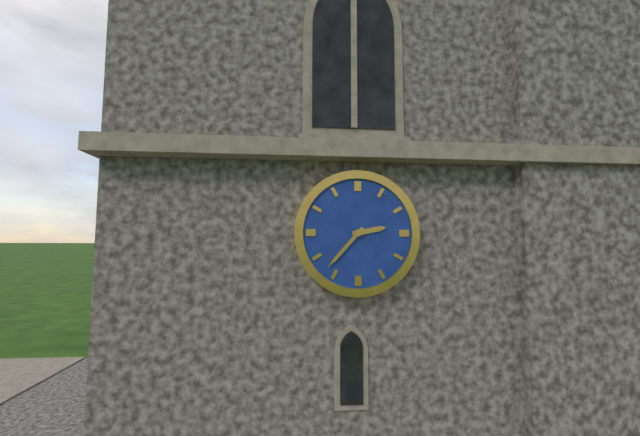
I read **2:37**
